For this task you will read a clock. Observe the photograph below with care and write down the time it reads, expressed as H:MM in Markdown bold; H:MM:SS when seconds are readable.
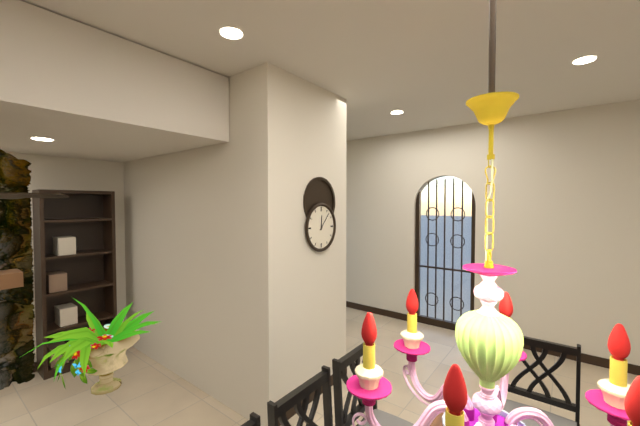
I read **12:07**
